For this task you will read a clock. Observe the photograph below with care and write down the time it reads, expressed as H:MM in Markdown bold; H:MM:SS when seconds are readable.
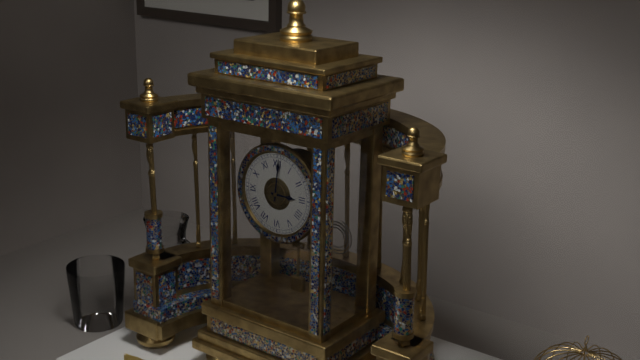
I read **3:01**
